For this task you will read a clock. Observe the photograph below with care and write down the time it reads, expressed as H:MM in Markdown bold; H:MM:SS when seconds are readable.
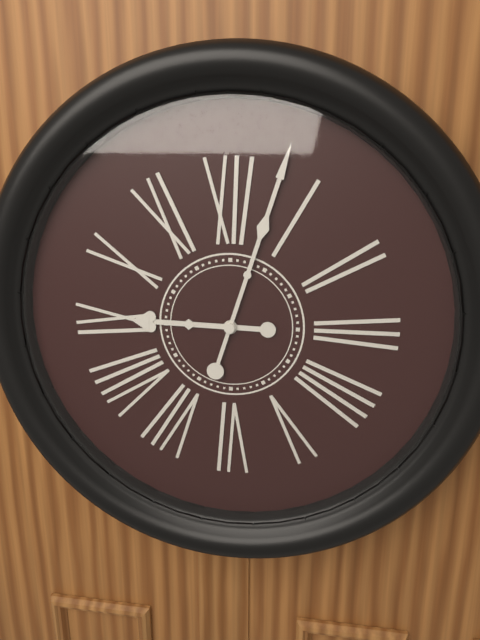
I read **9:03**
